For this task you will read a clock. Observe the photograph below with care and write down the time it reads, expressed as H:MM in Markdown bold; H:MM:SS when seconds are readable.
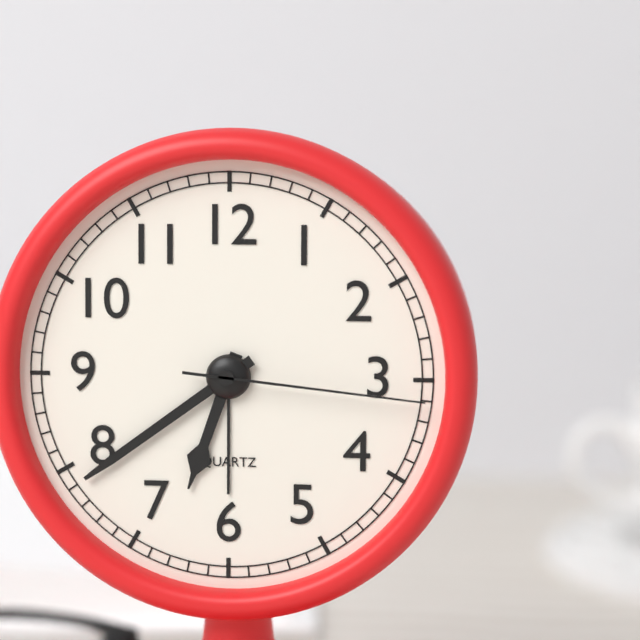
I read **6:39:16**
